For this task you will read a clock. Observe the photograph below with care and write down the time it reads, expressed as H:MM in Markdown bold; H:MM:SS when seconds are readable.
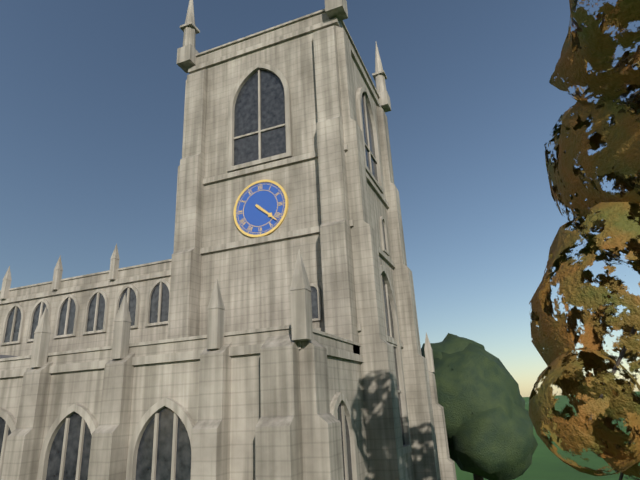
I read **4:22**
